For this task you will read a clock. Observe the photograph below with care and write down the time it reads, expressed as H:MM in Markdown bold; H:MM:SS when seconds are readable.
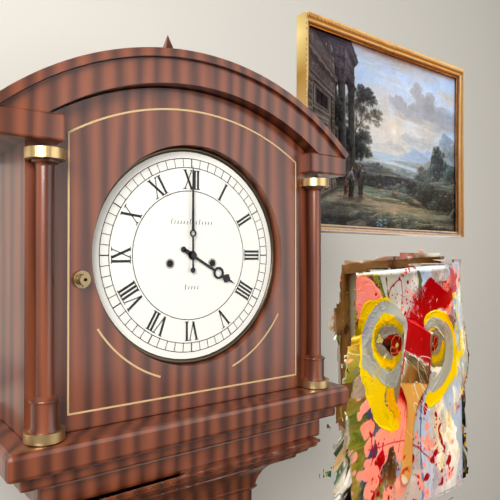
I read **4:00**
